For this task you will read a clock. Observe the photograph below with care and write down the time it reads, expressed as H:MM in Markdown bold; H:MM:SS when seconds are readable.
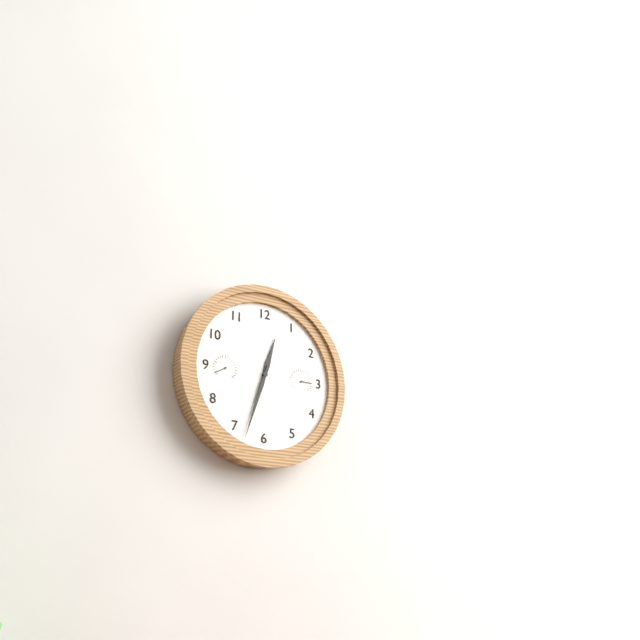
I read **12:33**
